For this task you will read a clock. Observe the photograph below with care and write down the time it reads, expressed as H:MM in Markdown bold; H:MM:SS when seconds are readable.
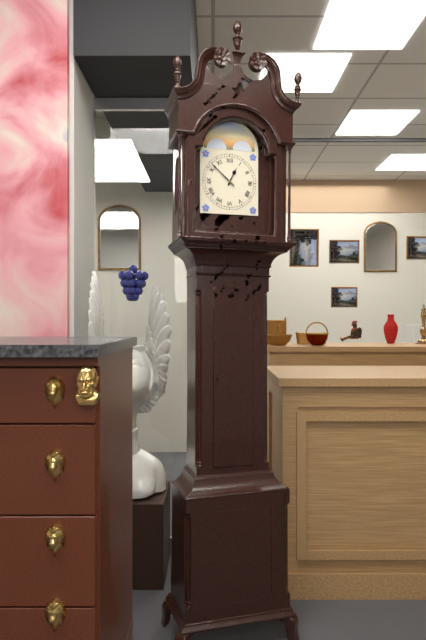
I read **12:52**
